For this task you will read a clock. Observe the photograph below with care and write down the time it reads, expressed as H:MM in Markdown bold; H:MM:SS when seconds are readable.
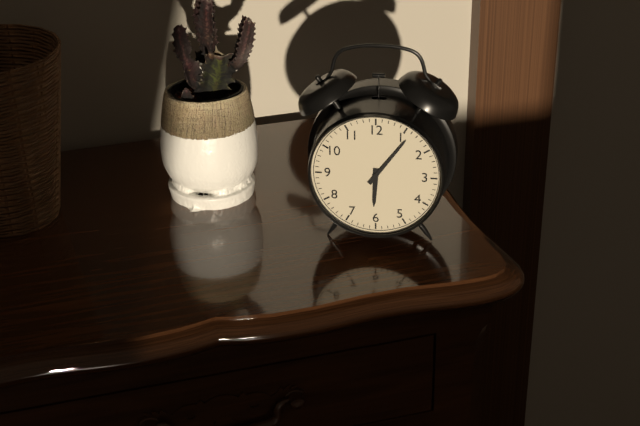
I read **6:06**
